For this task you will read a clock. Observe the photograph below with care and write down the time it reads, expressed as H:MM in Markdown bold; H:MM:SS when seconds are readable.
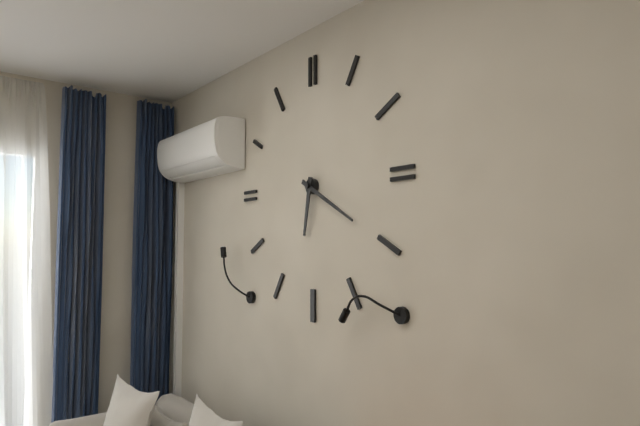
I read **6:20**
